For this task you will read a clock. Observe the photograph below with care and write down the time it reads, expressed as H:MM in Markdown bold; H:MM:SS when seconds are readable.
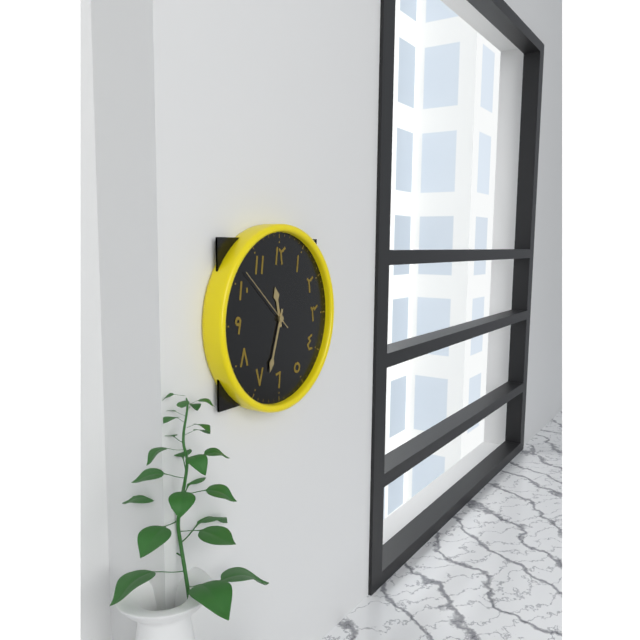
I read **11:33:52**
